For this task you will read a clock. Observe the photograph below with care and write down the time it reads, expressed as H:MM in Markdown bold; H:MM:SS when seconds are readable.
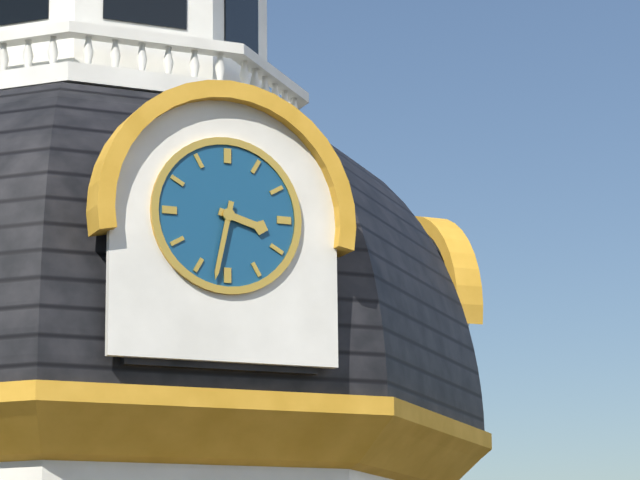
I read **3:32**
